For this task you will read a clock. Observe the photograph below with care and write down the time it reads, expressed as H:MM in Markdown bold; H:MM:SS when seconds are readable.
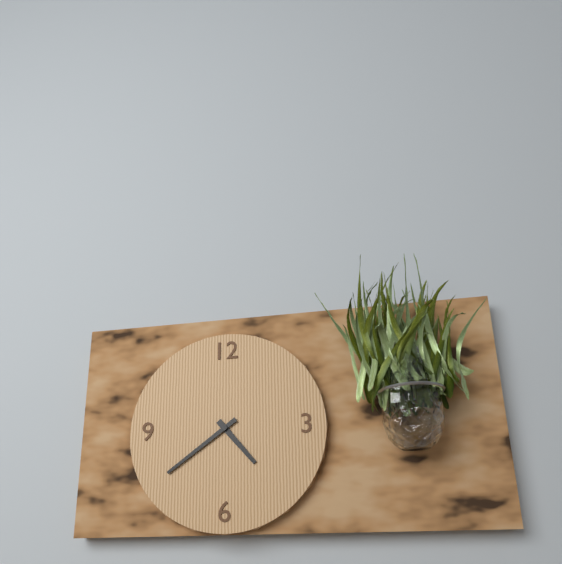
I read **4:39**
